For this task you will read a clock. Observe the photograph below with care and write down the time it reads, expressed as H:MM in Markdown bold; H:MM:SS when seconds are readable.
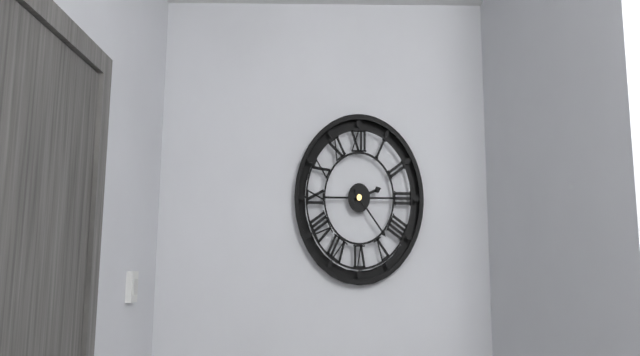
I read **2:23**
